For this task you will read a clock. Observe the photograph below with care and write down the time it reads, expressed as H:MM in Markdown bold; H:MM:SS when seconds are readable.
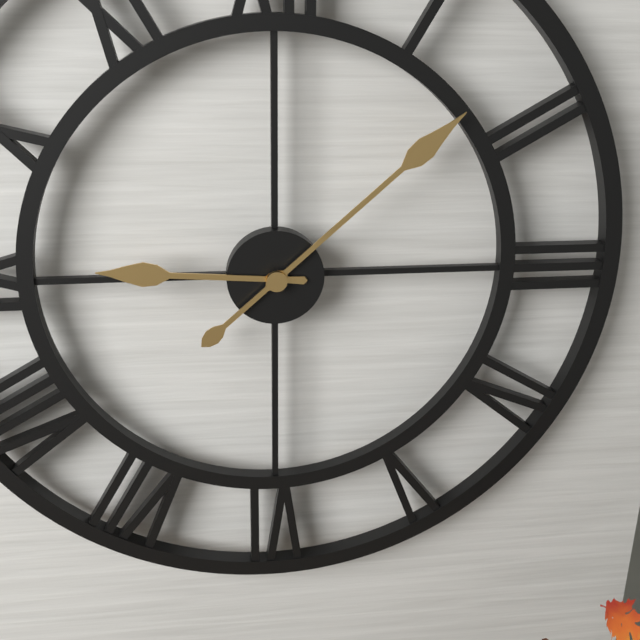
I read **9:08**
